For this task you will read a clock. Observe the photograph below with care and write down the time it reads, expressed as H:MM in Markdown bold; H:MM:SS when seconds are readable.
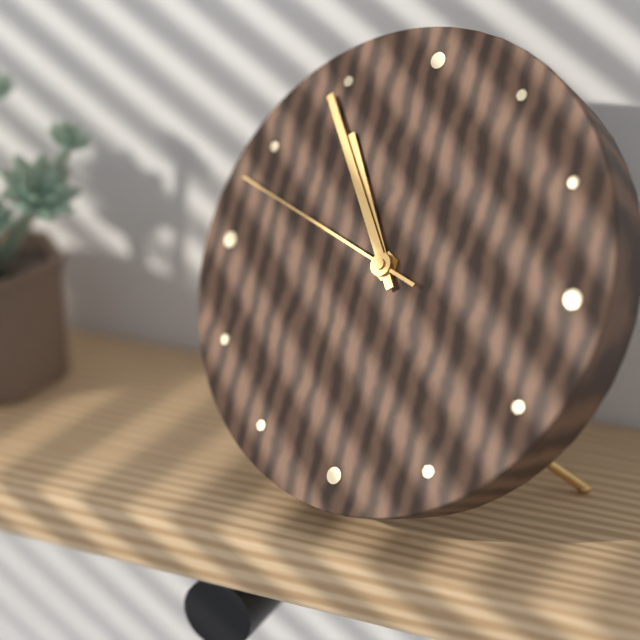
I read **10:54:48**
